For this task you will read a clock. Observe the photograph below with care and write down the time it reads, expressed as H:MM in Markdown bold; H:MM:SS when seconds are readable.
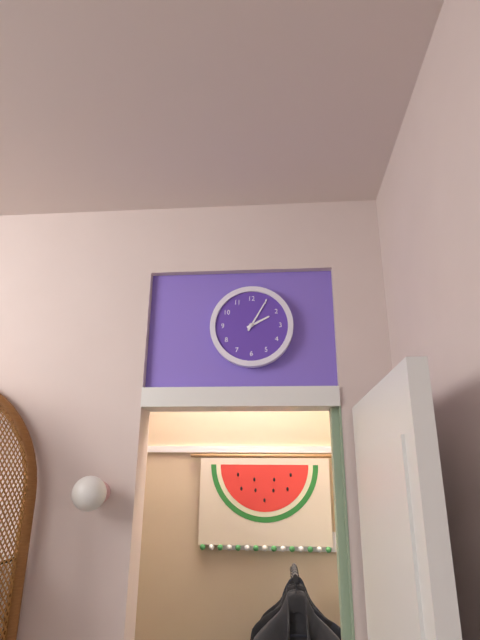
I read **2:05**
